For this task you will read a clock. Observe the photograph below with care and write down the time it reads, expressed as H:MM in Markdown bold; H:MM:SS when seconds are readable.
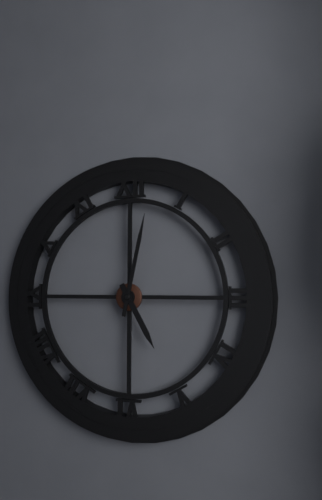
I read **5:02**
